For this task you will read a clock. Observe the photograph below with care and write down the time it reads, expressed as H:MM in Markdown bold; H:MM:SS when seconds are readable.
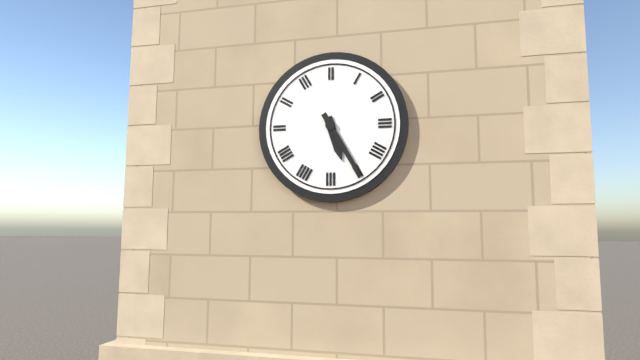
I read **5:25**
